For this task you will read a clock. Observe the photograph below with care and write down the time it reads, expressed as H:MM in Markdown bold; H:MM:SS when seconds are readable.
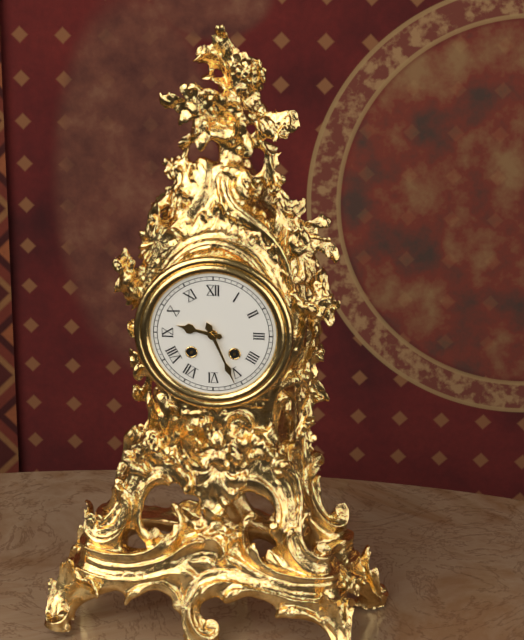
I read **9:26**
